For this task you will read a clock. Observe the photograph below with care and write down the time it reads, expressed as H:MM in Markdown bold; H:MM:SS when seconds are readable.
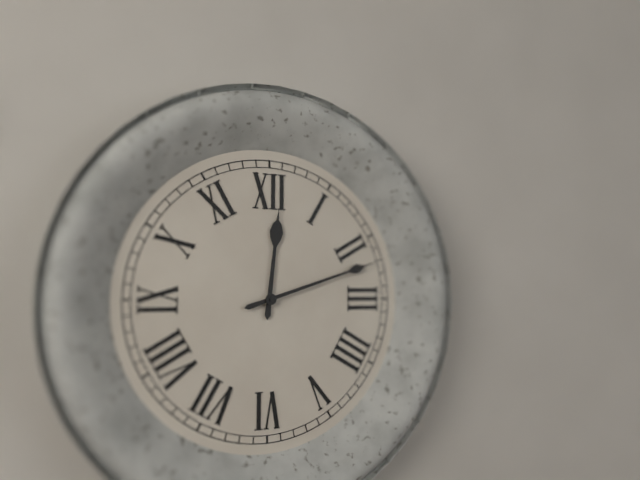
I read **12:12**
